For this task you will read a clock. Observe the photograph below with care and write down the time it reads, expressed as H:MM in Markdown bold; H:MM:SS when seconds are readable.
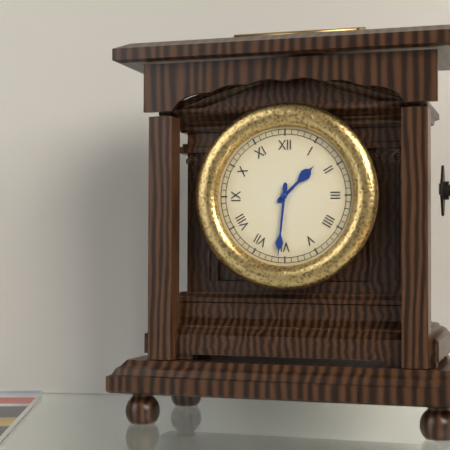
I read **1:31**
